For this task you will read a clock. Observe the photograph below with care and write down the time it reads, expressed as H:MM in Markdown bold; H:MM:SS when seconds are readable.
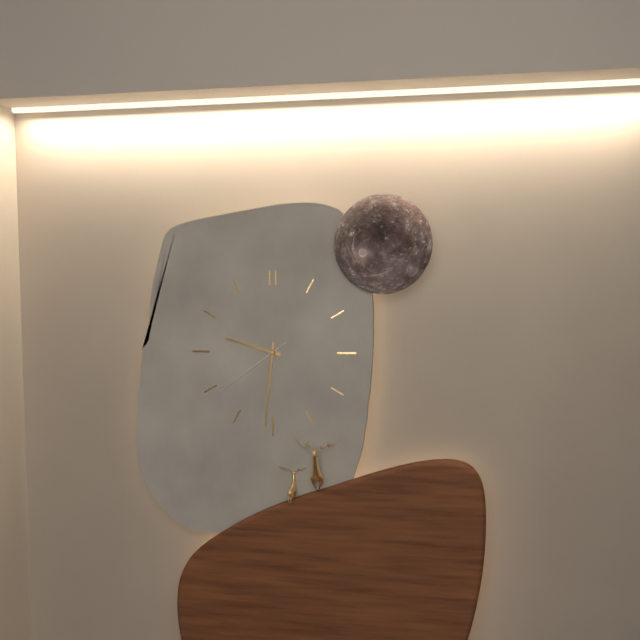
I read **9:31:39**
